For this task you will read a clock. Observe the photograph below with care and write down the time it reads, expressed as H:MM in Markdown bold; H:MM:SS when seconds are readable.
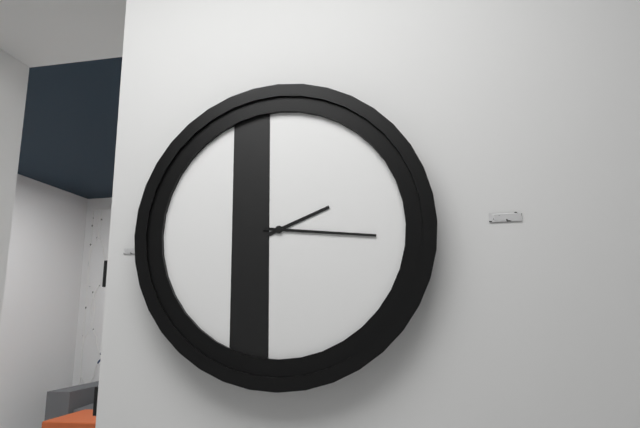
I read **2:16**
